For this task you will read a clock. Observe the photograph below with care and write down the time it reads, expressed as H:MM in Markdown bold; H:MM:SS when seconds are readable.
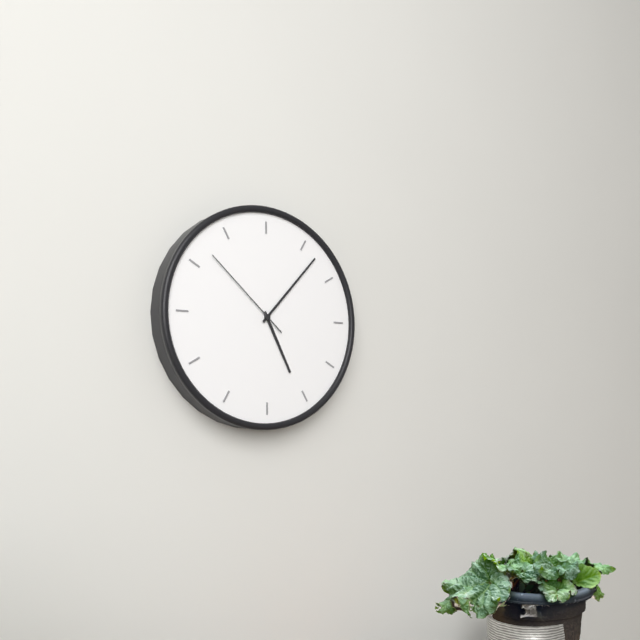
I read **5:07:52**
